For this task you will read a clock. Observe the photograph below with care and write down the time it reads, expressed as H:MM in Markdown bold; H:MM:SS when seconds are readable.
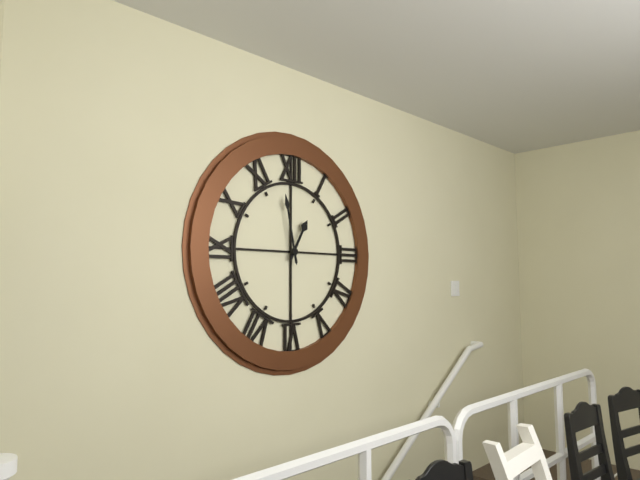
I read **12:58**
